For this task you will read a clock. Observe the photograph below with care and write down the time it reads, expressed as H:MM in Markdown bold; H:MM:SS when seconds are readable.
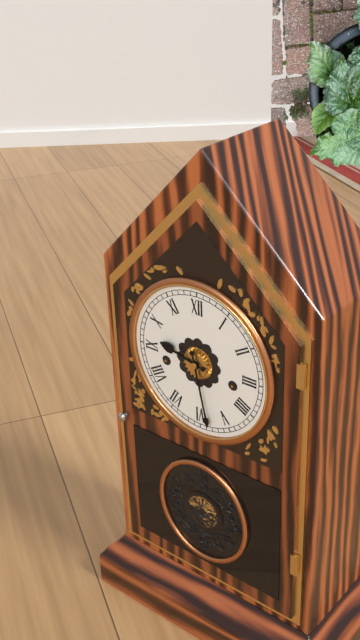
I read **9:28**
